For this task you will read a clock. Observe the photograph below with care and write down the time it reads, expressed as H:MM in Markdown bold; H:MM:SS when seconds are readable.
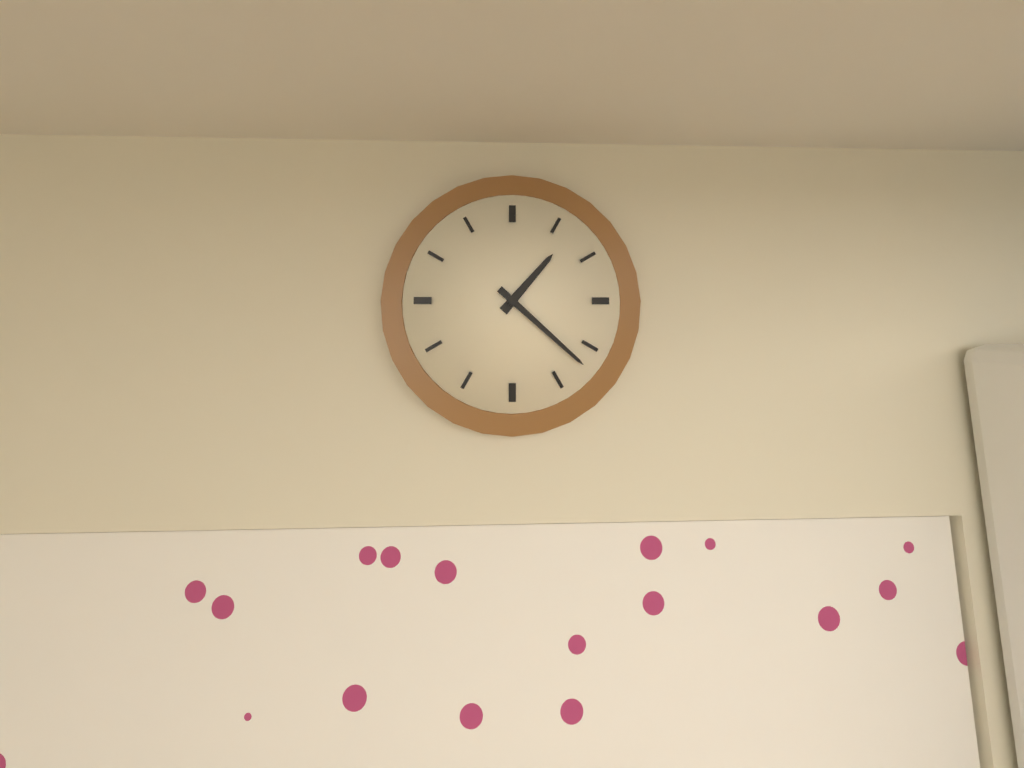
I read **1:22**
